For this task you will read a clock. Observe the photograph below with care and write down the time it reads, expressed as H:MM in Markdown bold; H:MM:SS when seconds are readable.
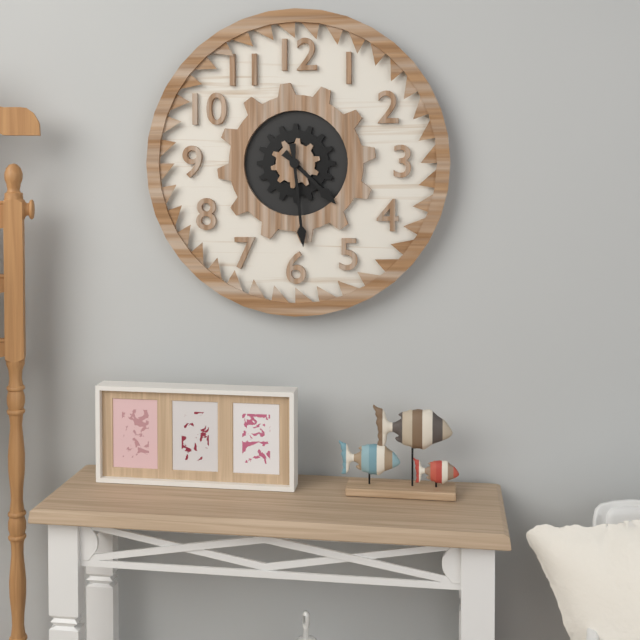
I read **4:29**
